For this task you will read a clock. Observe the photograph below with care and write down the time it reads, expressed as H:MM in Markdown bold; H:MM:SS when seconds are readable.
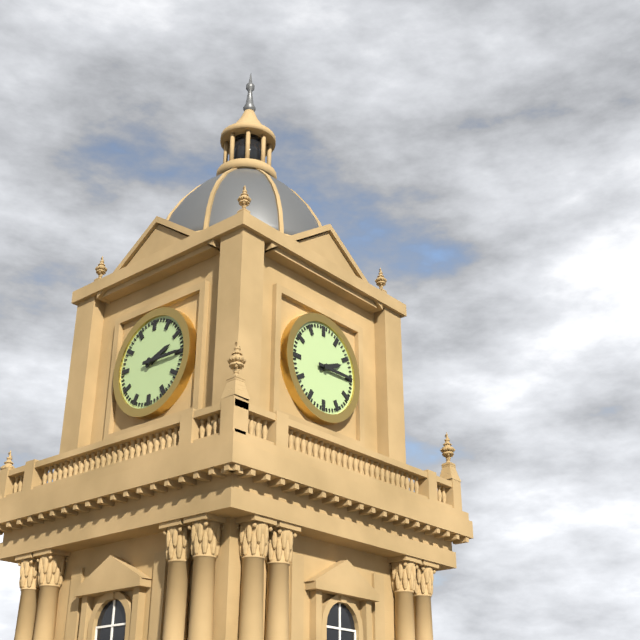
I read **2:15**
